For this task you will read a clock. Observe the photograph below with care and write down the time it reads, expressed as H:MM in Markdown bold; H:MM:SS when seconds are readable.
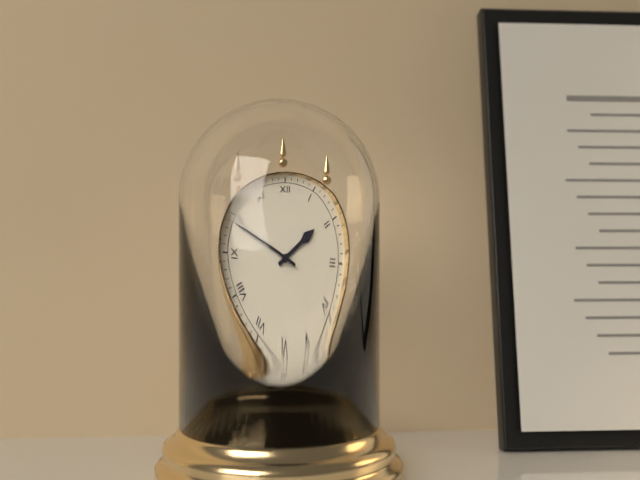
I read **1:49**
